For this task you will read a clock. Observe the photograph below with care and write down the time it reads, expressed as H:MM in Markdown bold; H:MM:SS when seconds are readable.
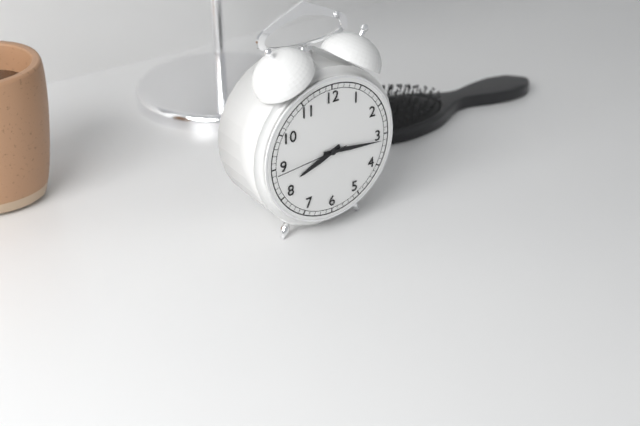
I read **8:16:44**
